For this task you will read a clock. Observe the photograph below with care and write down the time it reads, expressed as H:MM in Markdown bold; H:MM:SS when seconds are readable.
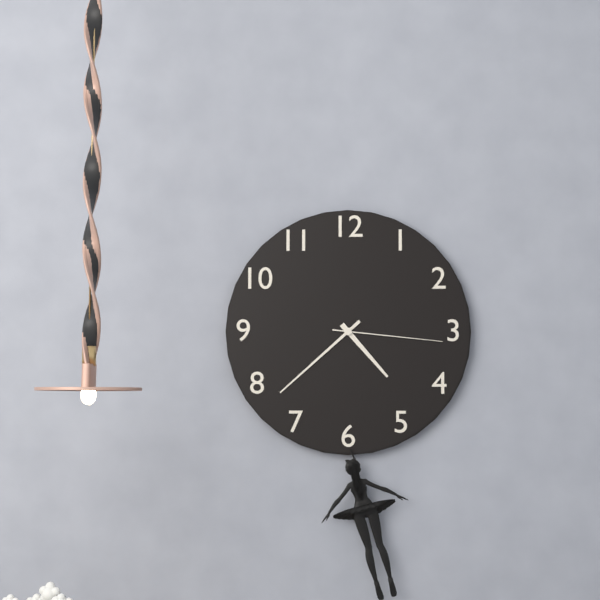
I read **4:38:16**
